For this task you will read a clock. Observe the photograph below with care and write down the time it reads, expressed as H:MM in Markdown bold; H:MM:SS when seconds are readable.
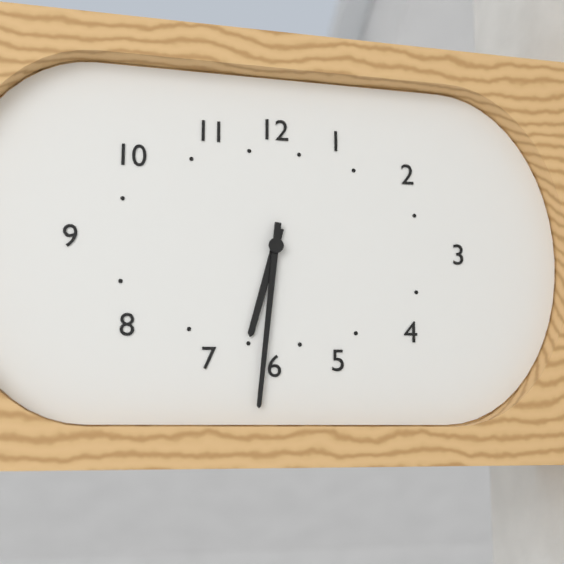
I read **6:31**
